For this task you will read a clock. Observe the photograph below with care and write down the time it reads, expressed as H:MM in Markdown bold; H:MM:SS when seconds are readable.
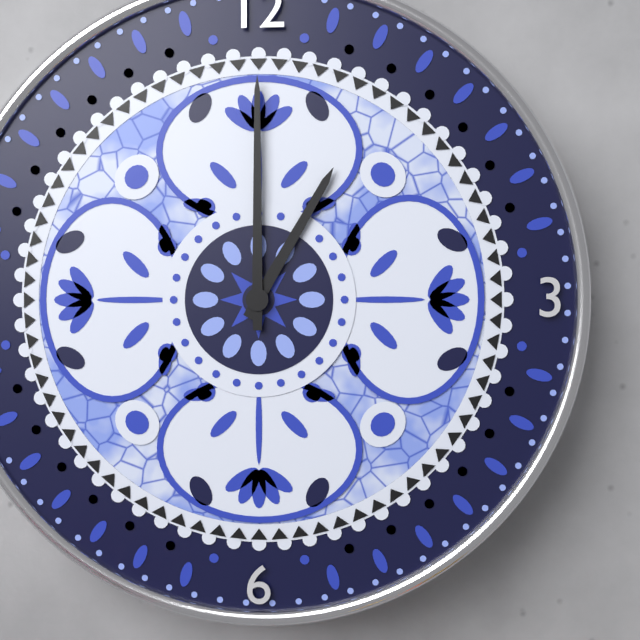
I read **1:00**
